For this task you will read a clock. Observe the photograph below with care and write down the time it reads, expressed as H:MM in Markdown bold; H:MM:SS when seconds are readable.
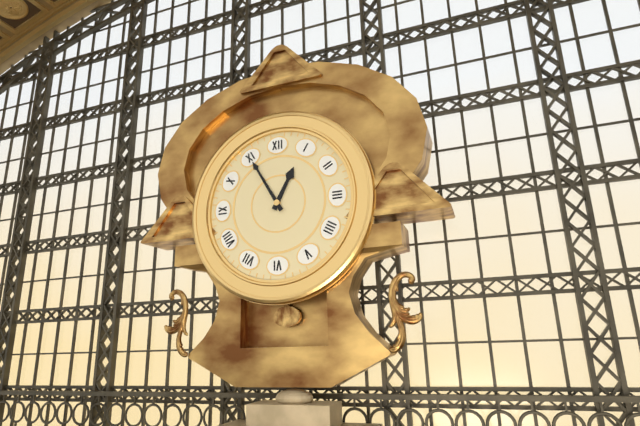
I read **12:55**
